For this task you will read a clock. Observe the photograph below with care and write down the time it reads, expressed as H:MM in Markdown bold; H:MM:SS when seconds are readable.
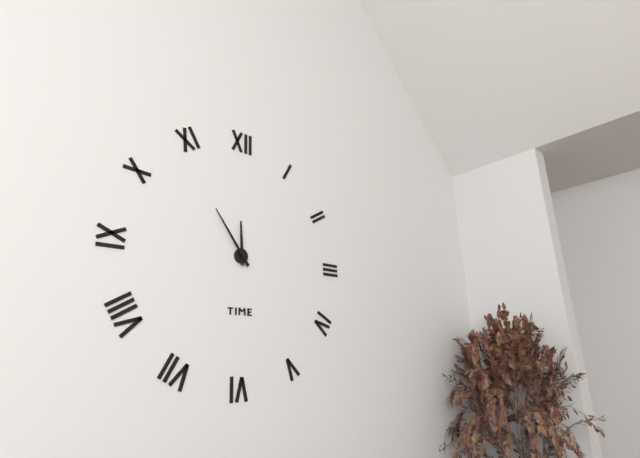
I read **11:54**
